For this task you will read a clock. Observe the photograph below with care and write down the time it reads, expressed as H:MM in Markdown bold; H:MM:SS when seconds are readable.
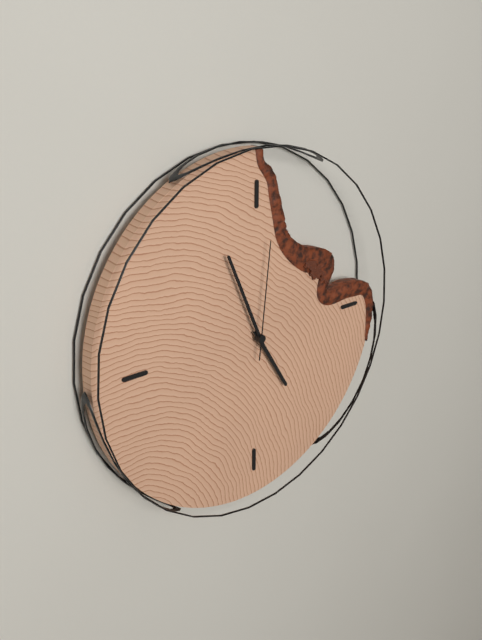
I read **4:56:01**
